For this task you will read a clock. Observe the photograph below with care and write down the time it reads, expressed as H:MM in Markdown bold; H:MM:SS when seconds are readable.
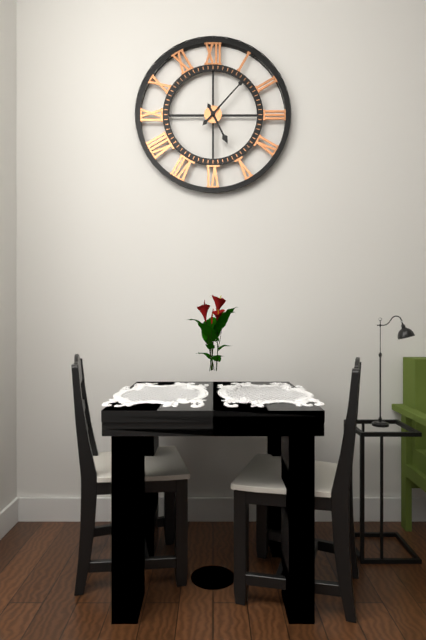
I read **5:07**
